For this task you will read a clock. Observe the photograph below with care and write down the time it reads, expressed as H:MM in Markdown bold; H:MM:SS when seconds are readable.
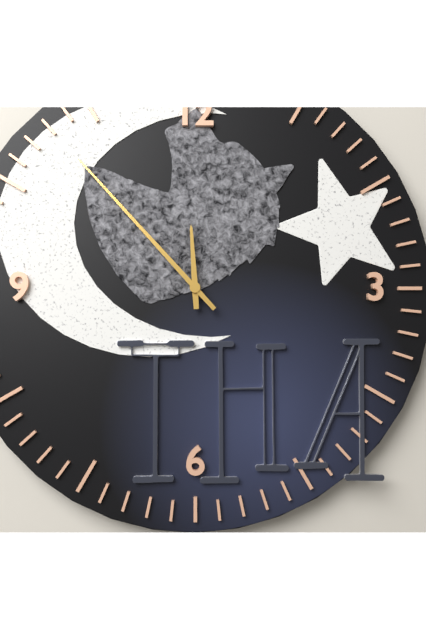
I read **11:53**
